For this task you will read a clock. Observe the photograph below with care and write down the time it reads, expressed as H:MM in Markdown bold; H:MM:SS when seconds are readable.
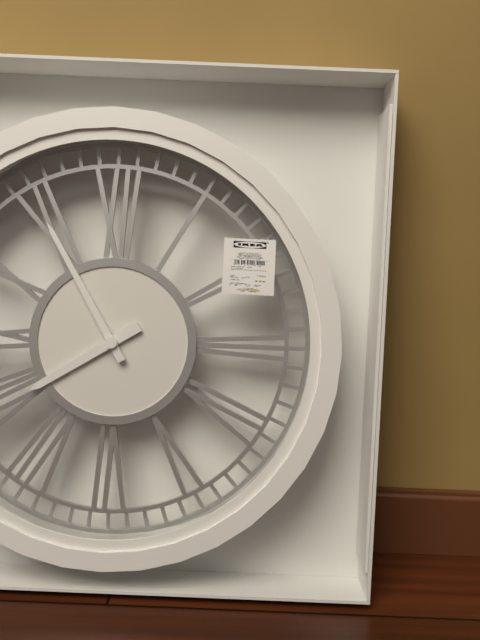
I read **7:55**
